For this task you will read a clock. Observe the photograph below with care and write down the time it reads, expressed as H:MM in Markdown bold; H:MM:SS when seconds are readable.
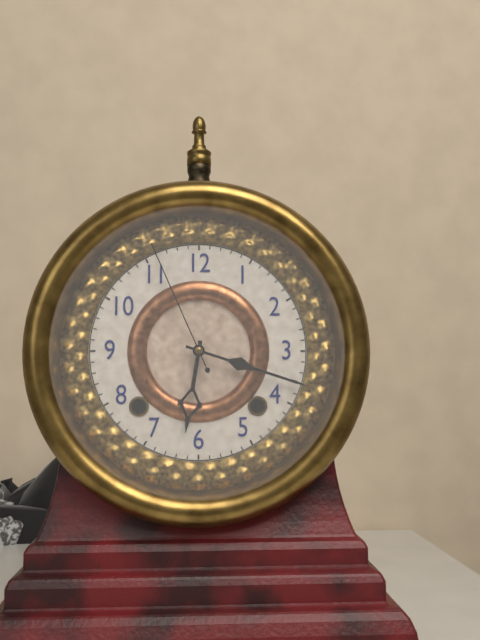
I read **6:18:56**
